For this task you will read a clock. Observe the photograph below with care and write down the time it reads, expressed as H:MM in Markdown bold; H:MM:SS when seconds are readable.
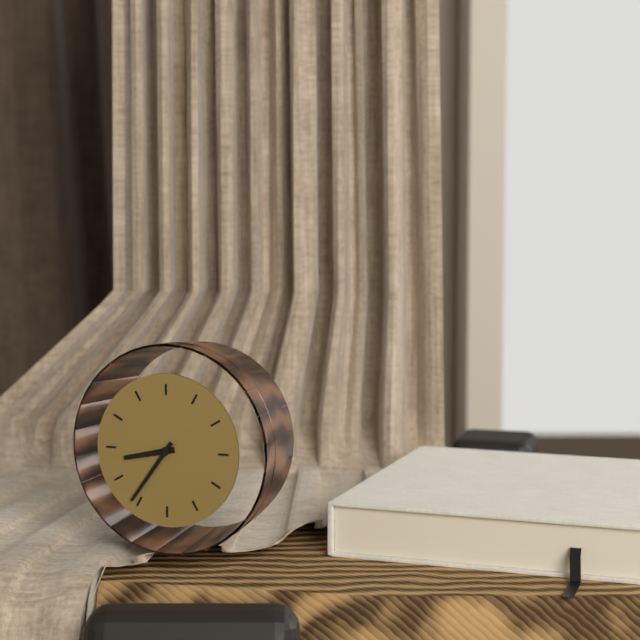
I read **8:36**
